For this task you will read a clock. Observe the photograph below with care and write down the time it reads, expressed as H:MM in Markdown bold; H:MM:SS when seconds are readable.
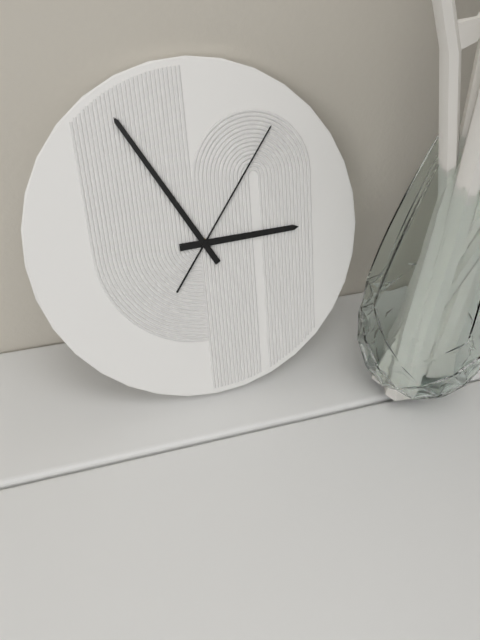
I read **2:55:06**
